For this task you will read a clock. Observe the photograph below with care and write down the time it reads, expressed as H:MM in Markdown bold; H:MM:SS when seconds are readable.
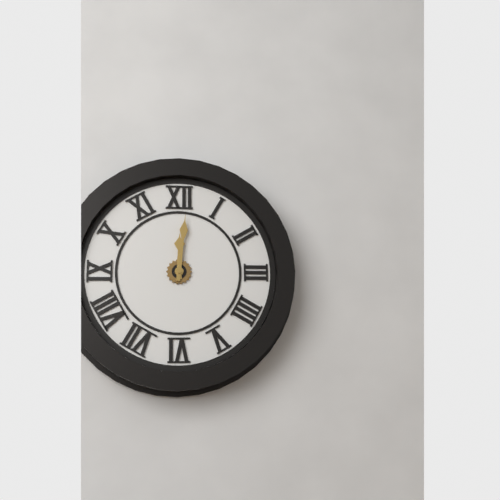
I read **12:01**
